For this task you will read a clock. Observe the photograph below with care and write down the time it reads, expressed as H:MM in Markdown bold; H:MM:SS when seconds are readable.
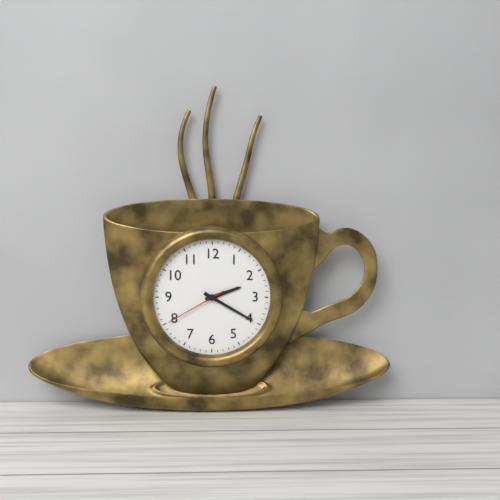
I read **2:20:40**
